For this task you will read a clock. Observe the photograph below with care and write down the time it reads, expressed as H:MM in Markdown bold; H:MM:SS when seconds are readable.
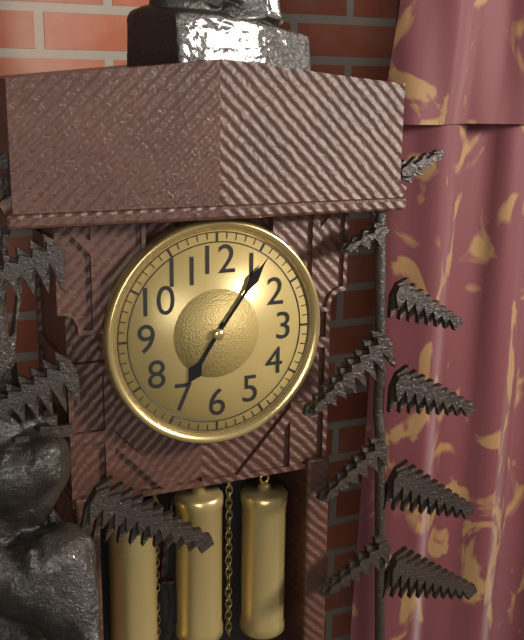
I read **7:06**
